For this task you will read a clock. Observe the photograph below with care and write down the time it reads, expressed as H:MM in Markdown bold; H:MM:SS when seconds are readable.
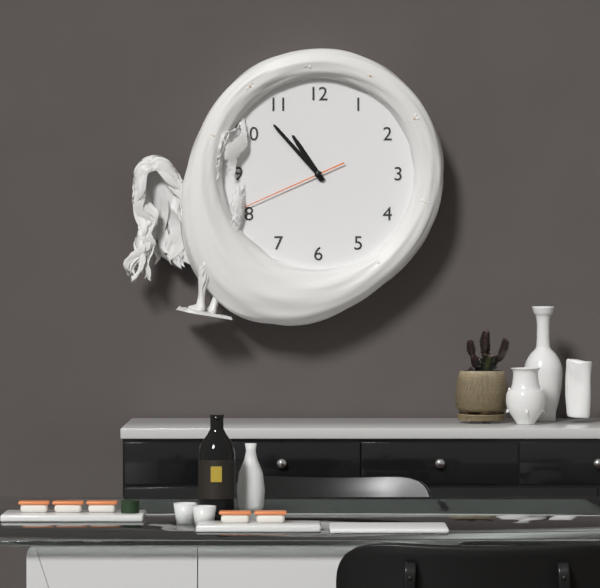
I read **10:53:41**
